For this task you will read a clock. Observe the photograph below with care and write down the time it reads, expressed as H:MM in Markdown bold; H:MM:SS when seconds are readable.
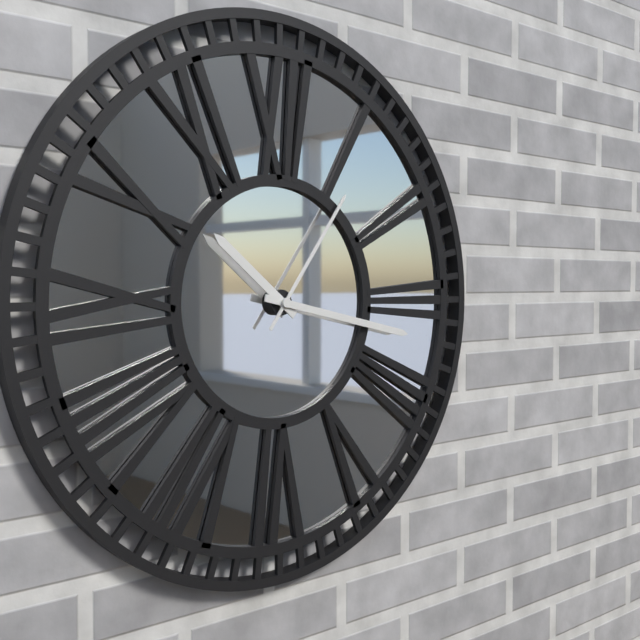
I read **10:17:06**
